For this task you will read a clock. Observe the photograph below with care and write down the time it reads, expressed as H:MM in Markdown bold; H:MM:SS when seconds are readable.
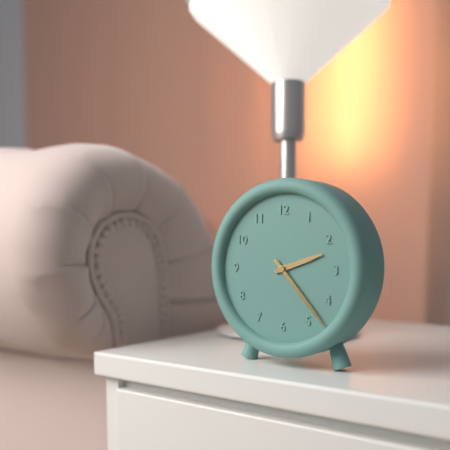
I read **2:23**
